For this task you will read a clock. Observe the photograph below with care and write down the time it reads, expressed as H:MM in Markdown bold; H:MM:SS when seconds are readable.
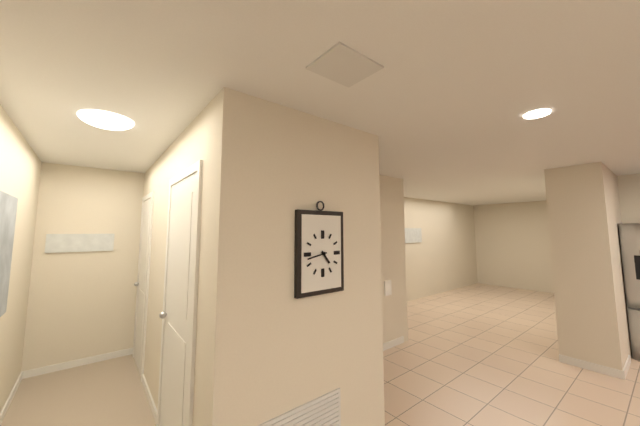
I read **4:43**
